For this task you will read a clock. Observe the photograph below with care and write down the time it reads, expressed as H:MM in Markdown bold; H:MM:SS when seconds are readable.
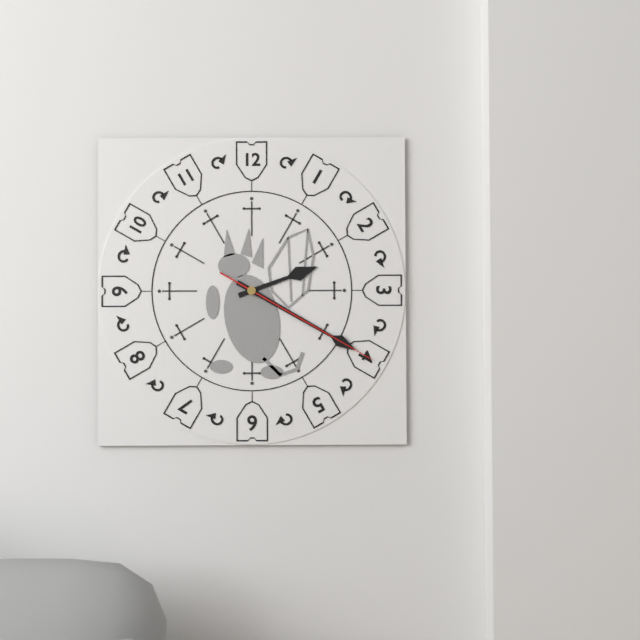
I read **2:20:20**
